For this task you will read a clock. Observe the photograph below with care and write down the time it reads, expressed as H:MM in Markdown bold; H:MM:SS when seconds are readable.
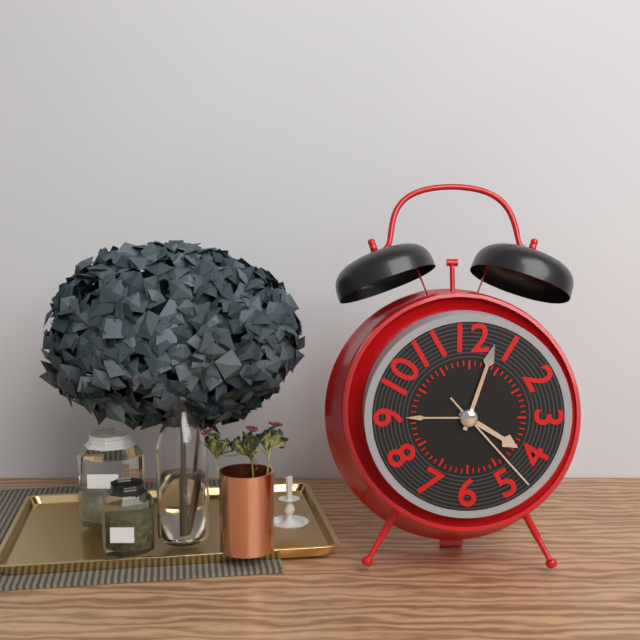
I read **4:03:23**
